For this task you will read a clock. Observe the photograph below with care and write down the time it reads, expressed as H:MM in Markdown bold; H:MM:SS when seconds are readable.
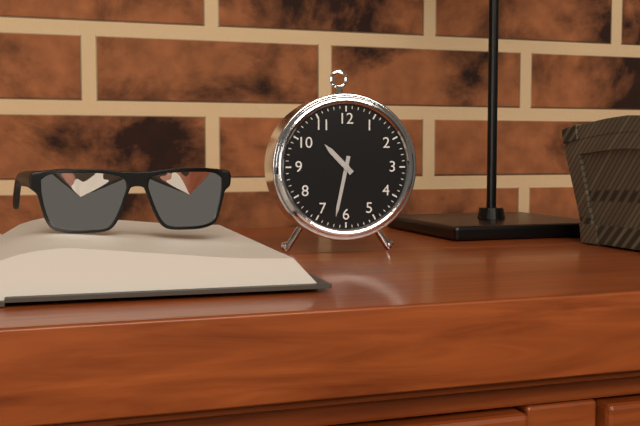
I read **10:32**
